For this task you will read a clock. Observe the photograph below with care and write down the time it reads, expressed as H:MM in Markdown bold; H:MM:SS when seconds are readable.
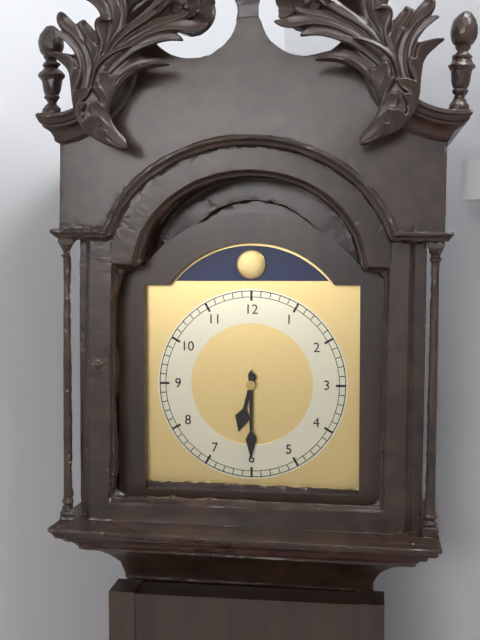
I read **6:30**
